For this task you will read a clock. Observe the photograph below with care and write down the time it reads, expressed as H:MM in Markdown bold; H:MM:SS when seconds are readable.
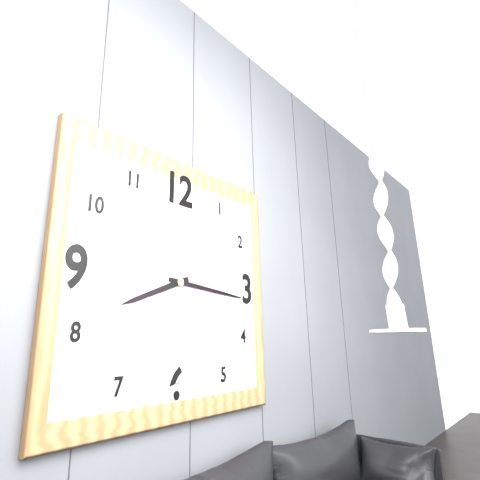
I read **8:16**
